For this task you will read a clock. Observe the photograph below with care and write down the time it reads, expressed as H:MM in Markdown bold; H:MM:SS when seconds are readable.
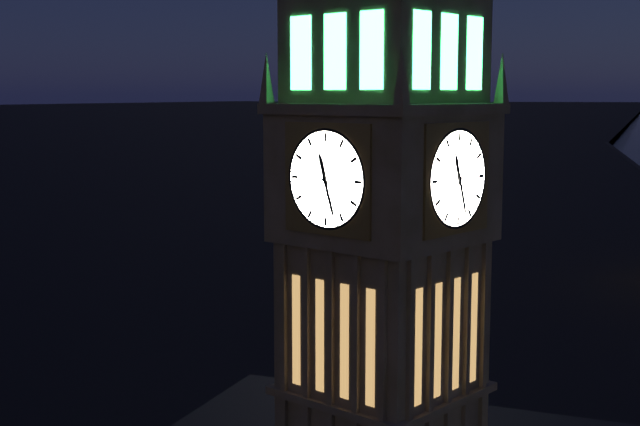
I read **11:27**
